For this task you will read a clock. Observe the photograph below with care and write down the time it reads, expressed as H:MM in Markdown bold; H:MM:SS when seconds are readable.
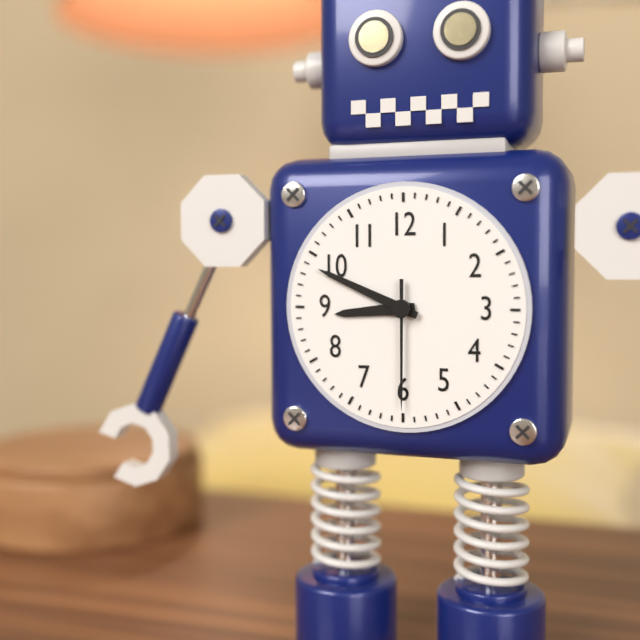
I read **8:49:30**
